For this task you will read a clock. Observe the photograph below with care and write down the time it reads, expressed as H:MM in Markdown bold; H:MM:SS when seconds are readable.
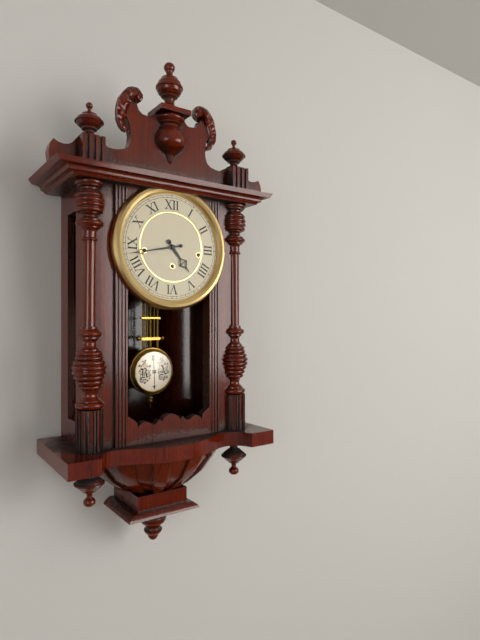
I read **4:43**
